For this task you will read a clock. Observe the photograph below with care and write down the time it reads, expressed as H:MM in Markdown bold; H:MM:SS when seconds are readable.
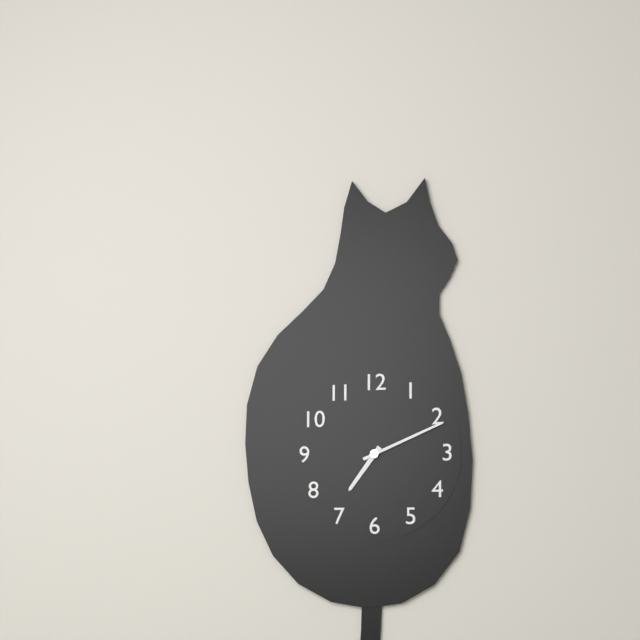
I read **7:11**
